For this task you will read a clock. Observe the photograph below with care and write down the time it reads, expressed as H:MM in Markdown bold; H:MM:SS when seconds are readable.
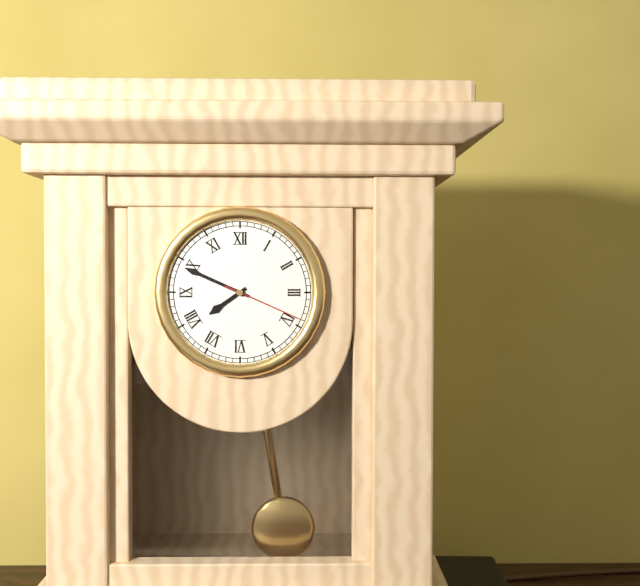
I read **7:49:19**
